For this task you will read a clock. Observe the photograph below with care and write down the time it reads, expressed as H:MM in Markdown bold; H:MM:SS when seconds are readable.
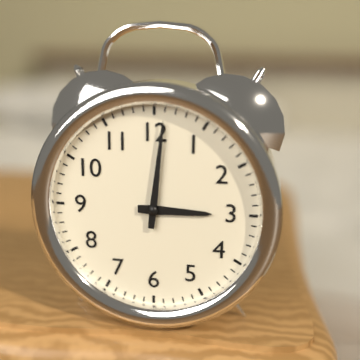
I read **3:01**
